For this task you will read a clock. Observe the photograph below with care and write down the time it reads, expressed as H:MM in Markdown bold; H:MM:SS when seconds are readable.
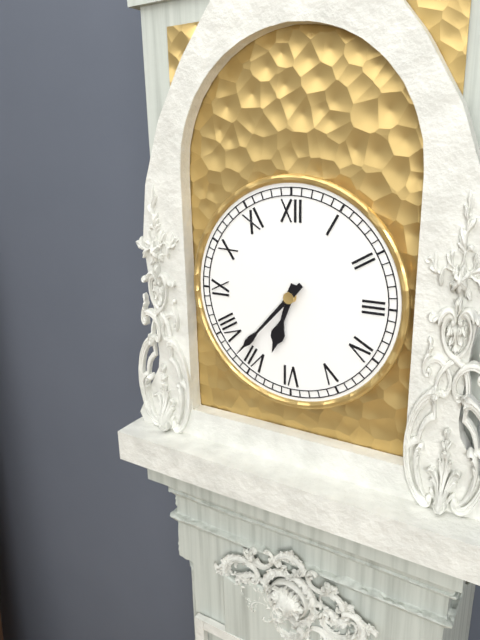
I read **6:37**
